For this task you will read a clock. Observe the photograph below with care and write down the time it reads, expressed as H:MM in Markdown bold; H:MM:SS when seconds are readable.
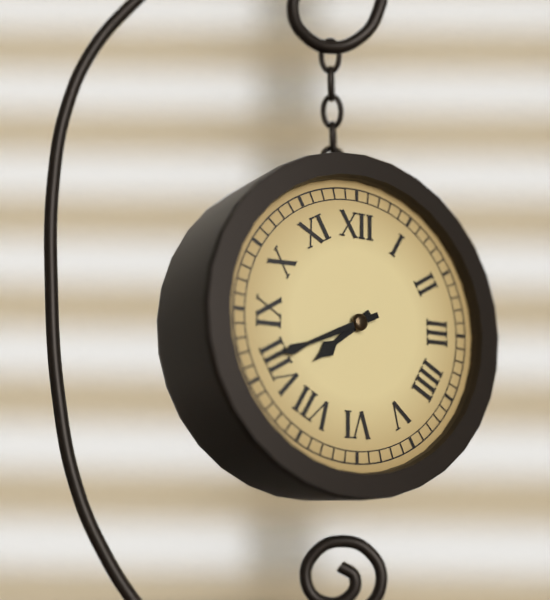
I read **7:41**
